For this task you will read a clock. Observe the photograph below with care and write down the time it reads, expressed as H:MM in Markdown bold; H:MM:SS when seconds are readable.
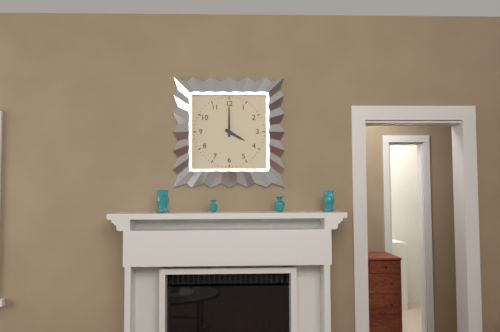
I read **4:00**
